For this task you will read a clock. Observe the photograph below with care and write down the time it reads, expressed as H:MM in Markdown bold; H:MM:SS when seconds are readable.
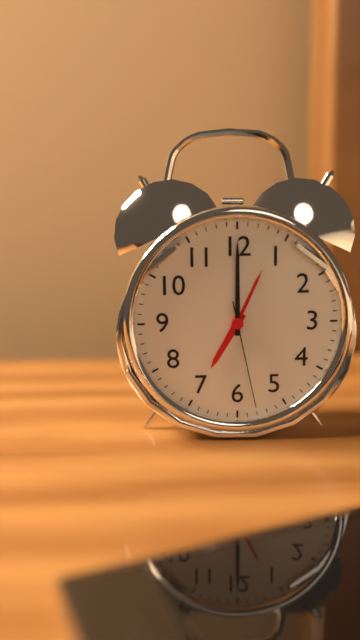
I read **7:00:28**
